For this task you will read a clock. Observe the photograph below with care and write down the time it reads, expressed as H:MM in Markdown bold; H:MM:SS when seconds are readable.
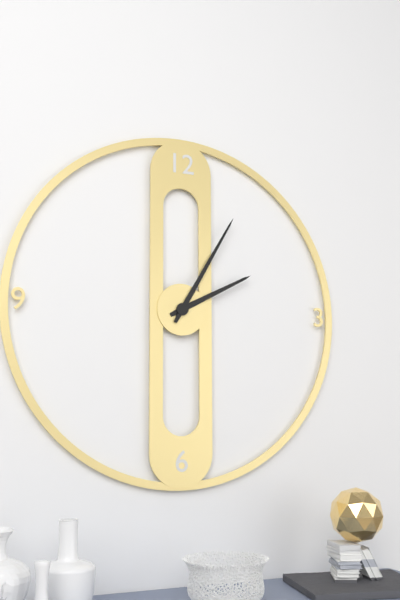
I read **2:05**
